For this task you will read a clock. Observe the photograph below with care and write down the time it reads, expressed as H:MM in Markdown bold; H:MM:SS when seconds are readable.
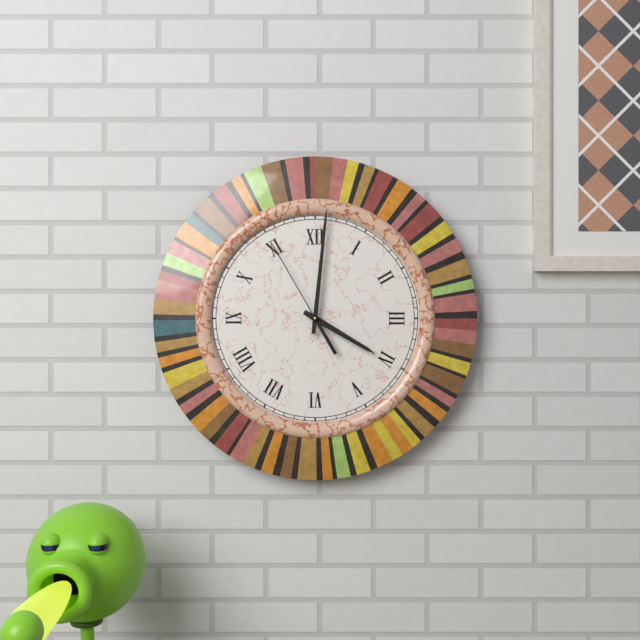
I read **4:01:55**
